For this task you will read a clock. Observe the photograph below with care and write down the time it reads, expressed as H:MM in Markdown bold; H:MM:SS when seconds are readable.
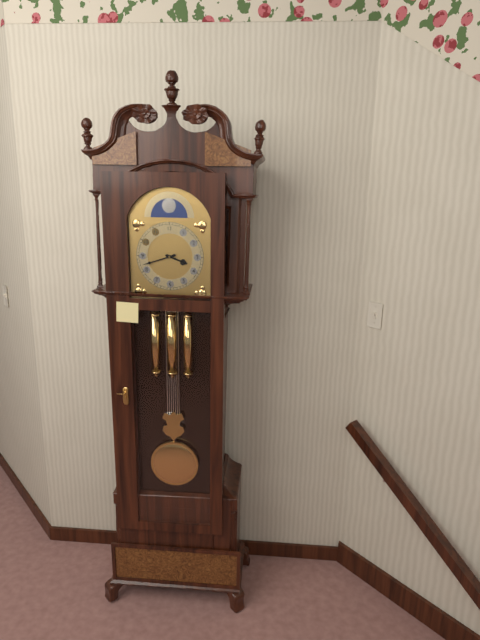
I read **3:42**
